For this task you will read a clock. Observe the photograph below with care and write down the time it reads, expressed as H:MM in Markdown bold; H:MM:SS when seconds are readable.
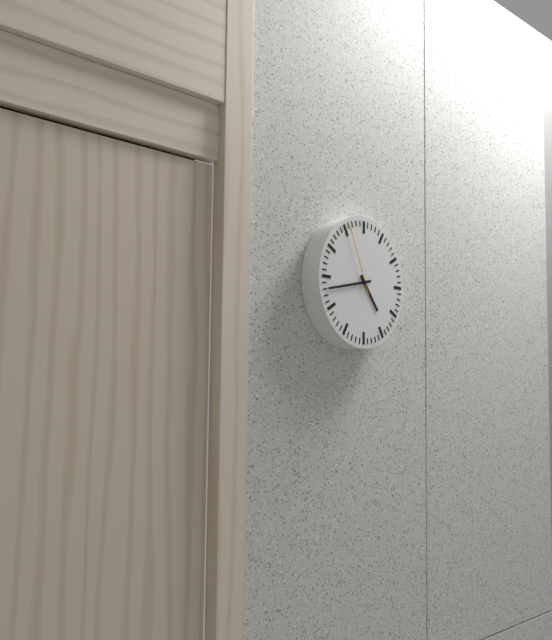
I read **4:43:56**
